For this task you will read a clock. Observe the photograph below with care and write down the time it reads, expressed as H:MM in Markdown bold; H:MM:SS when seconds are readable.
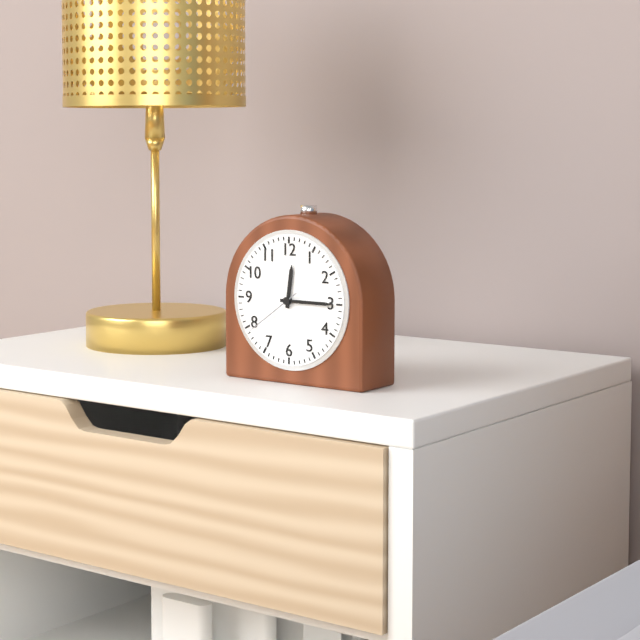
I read **12:15:39**
